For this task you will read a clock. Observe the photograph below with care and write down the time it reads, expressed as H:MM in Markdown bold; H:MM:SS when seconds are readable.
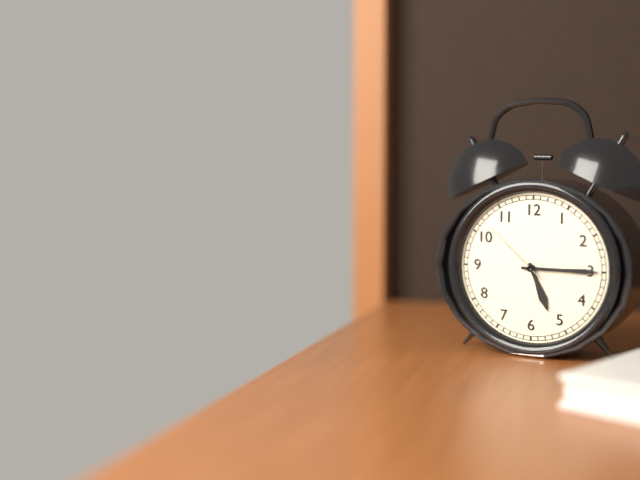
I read **5:15:52**
